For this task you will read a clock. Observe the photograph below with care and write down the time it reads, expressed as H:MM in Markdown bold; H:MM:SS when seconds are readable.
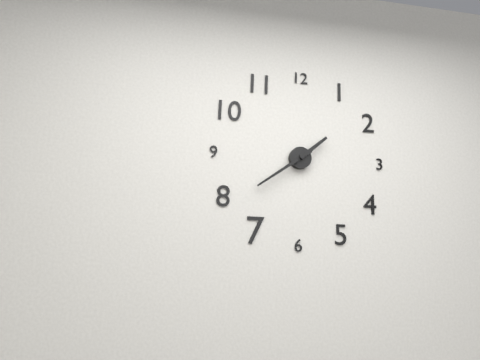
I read **1:39**
